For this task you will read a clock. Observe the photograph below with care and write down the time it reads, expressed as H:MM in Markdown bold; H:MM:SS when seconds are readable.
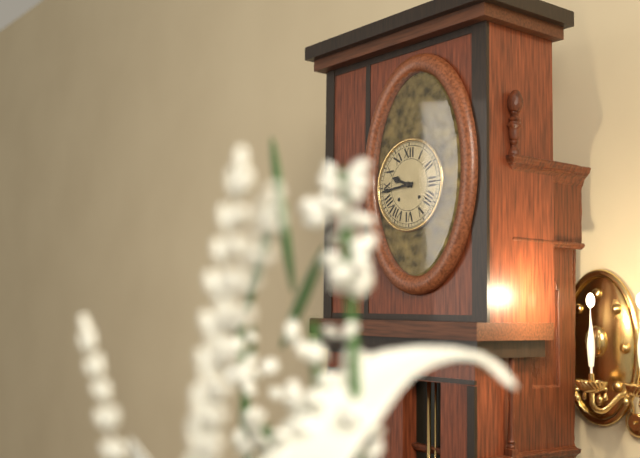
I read **9:44**
